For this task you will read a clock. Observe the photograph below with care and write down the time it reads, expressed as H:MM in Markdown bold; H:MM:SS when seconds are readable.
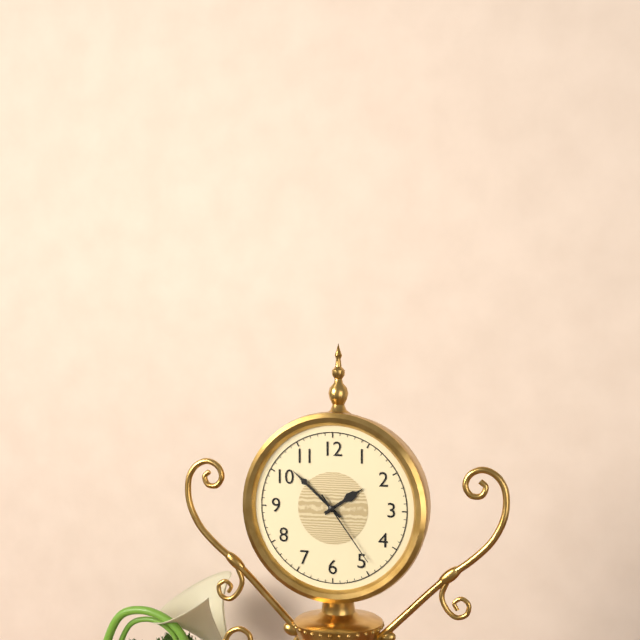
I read **1:52:24**
